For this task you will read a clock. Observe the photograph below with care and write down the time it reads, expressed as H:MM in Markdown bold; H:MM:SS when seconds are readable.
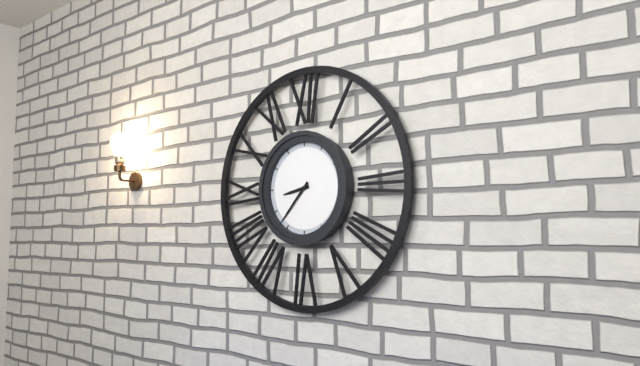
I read **8:37**
